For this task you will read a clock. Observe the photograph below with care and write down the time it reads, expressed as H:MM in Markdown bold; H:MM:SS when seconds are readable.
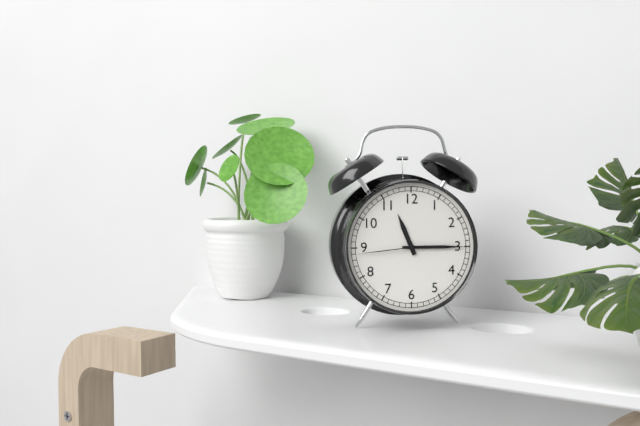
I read **11:15:44**
